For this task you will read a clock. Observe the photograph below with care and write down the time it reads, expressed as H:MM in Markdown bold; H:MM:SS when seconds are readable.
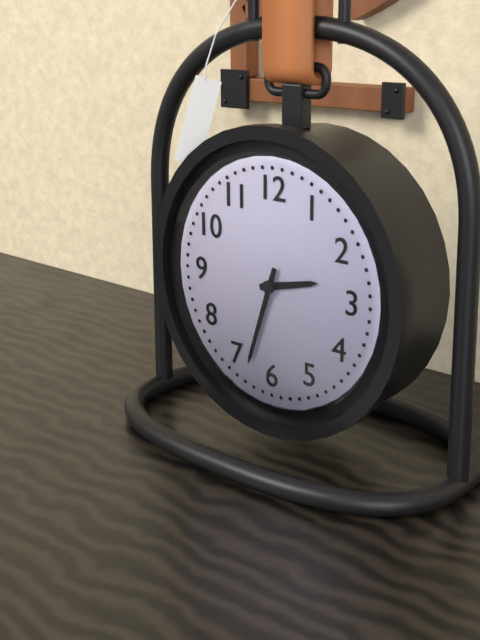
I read **2:33**
